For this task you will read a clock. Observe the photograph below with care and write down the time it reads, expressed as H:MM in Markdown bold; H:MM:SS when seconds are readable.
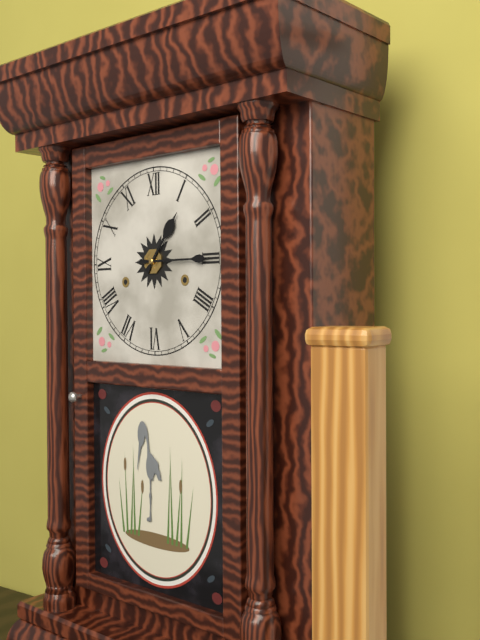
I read **1:15**
